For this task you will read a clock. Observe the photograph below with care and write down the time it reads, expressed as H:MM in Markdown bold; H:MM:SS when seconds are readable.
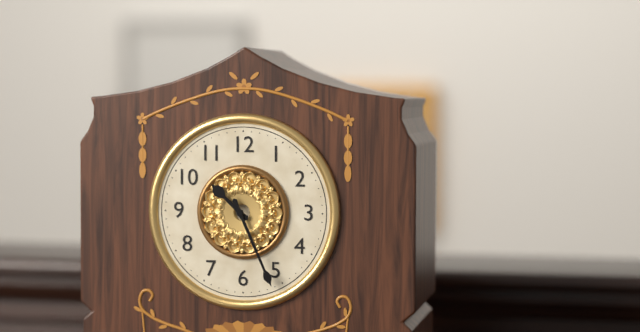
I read **10:26**
